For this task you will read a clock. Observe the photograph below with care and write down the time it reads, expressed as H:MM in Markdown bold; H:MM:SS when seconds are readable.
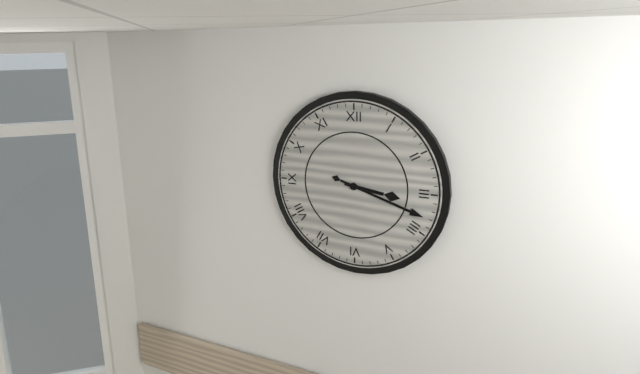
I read **3:18**
